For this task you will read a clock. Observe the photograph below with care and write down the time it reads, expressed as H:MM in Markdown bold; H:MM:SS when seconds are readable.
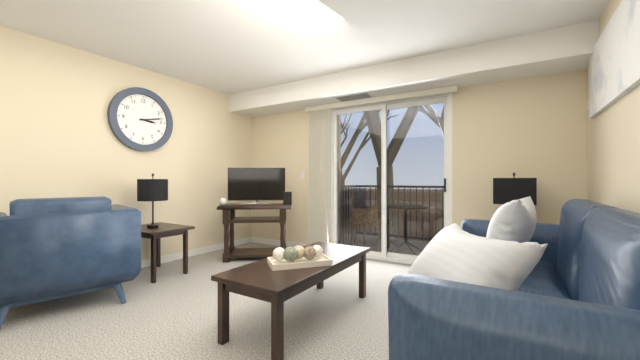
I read **3:13**
